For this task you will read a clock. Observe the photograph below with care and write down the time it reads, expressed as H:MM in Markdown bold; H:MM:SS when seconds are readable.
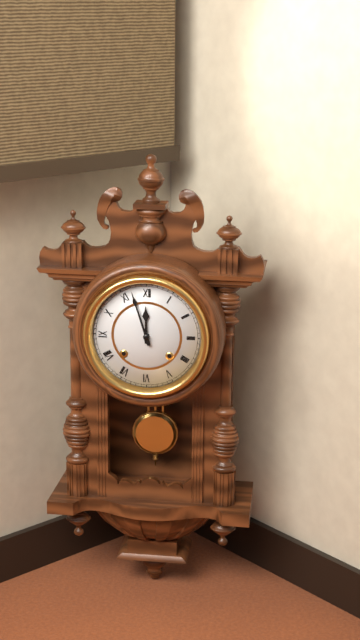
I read **11:57**
